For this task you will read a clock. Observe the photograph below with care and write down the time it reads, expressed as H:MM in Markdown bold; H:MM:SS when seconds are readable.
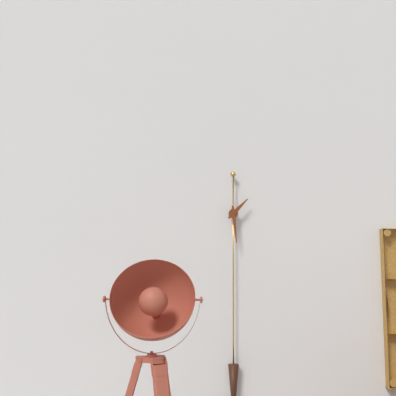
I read **1:29**
